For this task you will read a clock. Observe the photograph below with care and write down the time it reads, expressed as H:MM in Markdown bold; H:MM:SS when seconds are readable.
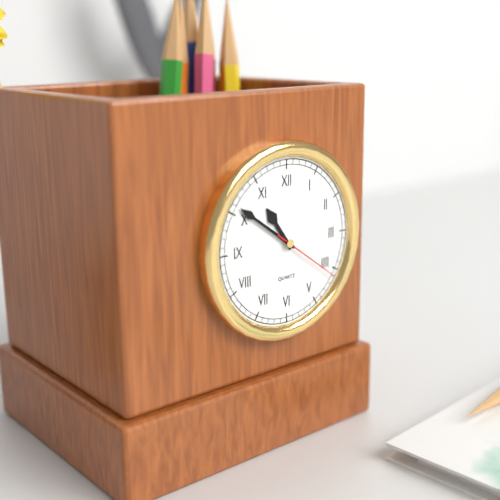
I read **10:51:21**
